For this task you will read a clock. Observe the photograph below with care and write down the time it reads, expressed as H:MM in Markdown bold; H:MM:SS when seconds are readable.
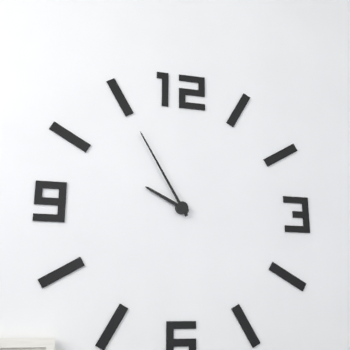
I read **9:55**
